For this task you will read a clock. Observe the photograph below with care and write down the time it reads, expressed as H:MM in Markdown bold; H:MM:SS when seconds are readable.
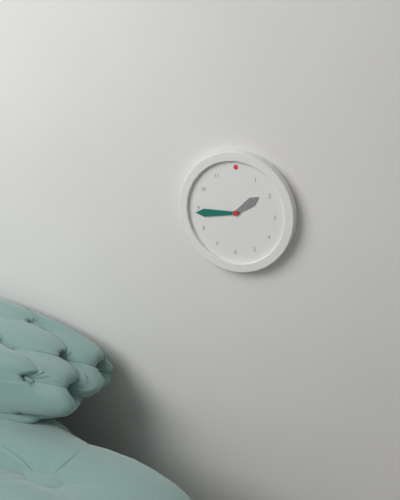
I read **1:44**
